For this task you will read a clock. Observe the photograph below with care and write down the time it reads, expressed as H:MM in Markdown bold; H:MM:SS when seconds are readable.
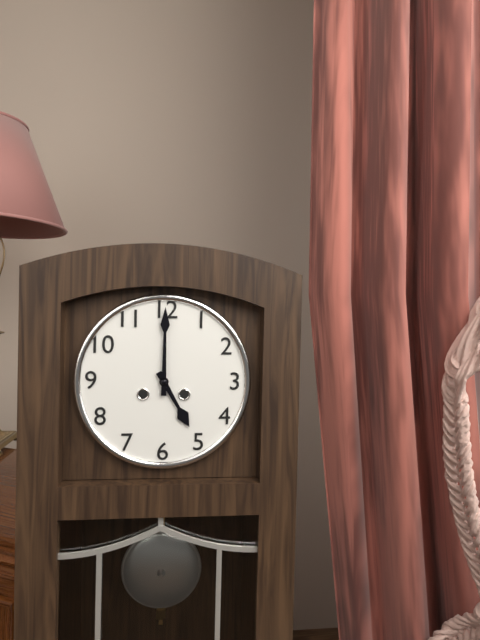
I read **5:00**
